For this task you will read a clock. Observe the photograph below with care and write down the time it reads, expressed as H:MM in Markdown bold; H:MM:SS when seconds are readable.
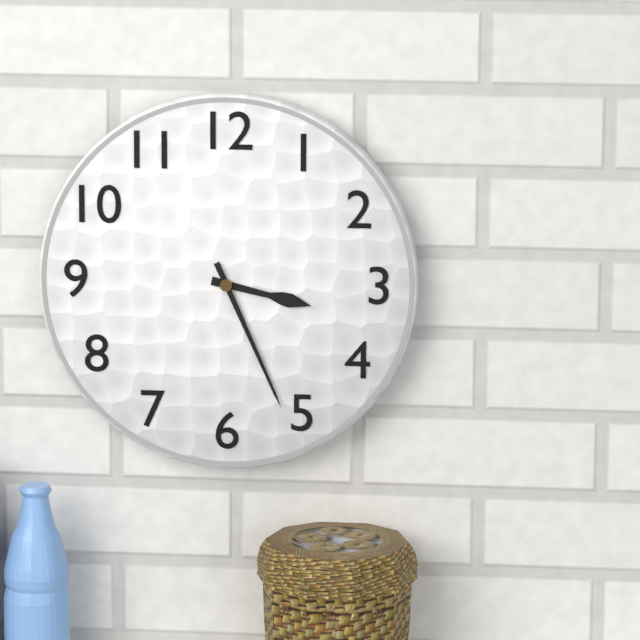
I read **3:26**
